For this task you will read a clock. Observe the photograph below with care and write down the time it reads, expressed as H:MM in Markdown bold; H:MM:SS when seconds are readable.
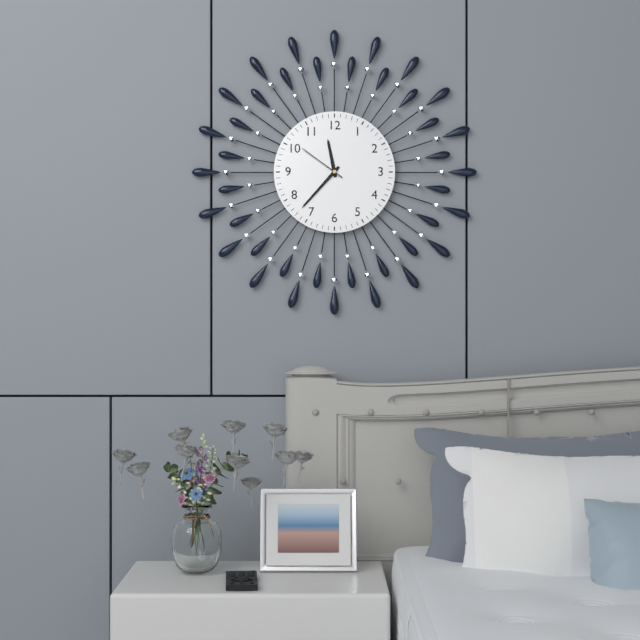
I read **11:37:51**
